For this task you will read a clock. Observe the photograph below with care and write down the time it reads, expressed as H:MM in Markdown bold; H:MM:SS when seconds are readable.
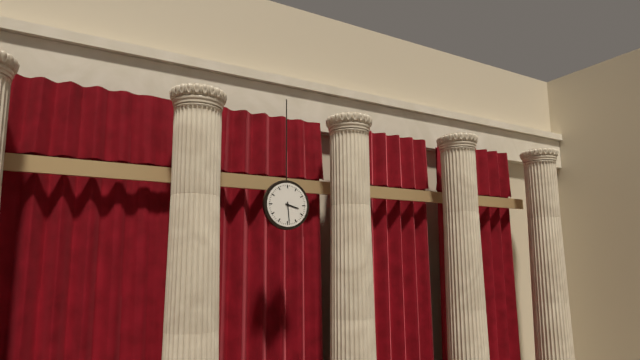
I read **3:29**
